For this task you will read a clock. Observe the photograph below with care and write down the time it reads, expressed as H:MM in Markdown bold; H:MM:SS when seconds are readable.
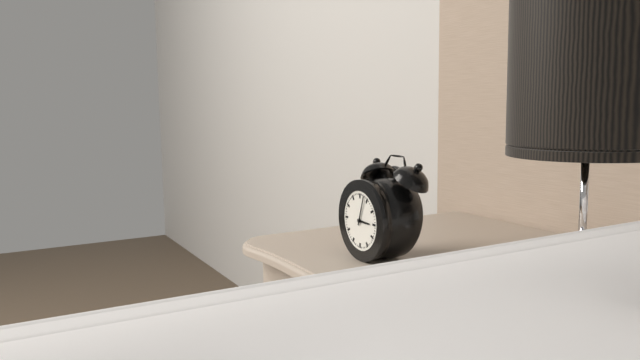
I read **3:03**
